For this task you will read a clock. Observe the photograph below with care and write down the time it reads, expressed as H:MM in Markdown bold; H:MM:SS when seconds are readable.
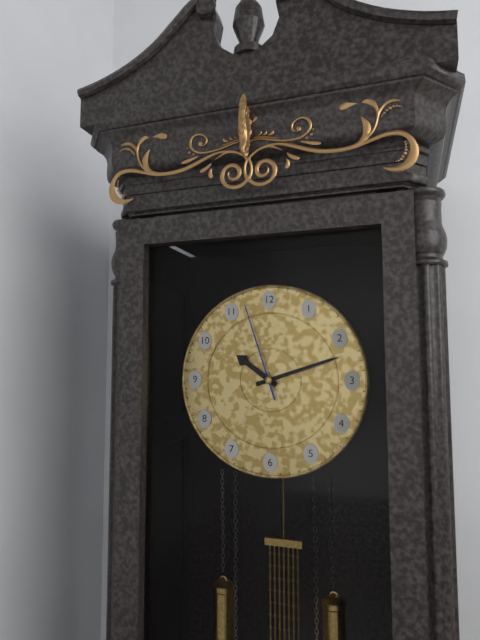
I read **10:12:57**
